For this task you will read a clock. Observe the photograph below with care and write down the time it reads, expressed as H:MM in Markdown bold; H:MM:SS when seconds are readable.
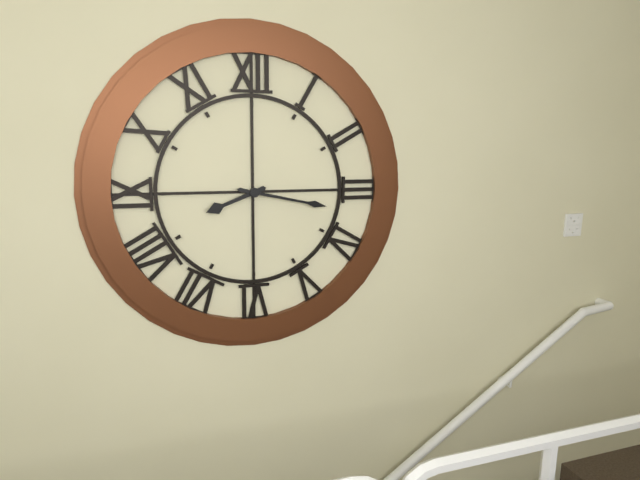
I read **8:17**
